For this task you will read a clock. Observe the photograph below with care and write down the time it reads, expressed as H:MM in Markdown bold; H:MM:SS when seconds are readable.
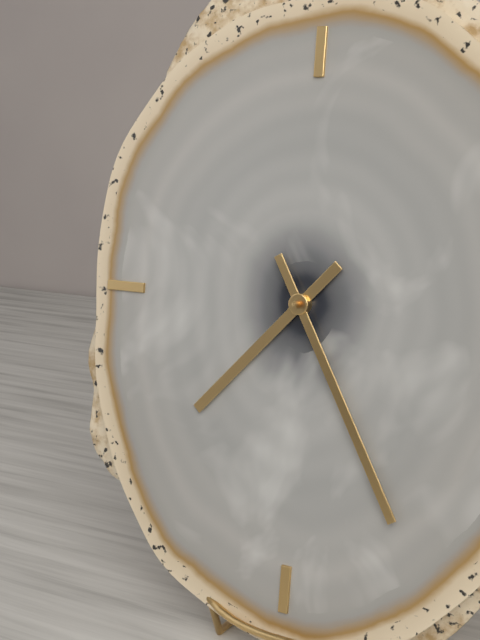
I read **7:25**
